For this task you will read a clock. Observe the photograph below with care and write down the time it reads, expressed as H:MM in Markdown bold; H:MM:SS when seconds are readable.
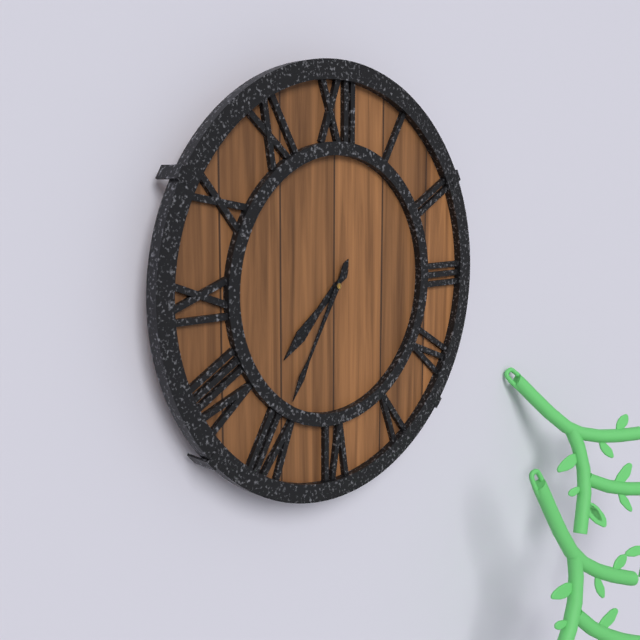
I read **7:35**
